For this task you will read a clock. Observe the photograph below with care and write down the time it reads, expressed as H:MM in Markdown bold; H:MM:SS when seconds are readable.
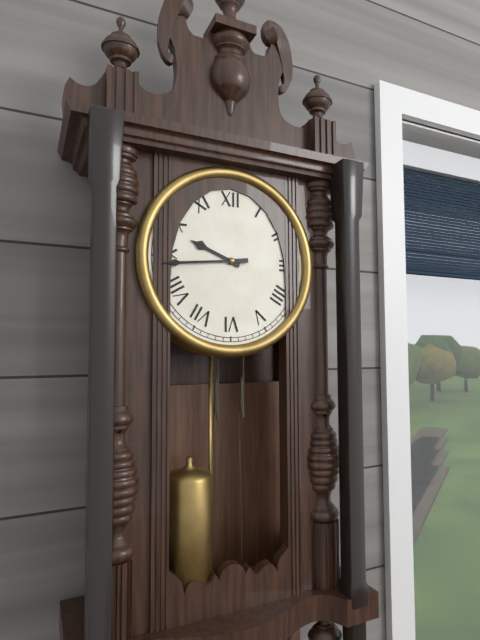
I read **9:44**
